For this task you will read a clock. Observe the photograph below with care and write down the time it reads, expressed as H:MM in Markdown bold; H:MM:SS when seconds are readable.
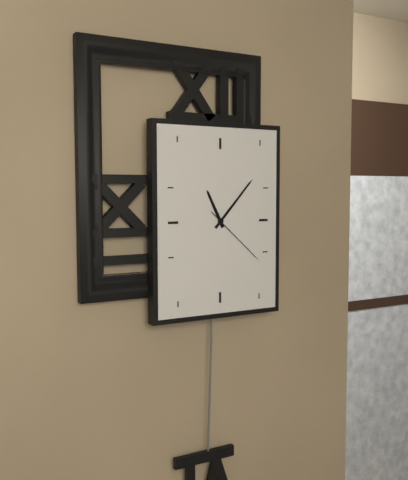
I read **11:07:22**
